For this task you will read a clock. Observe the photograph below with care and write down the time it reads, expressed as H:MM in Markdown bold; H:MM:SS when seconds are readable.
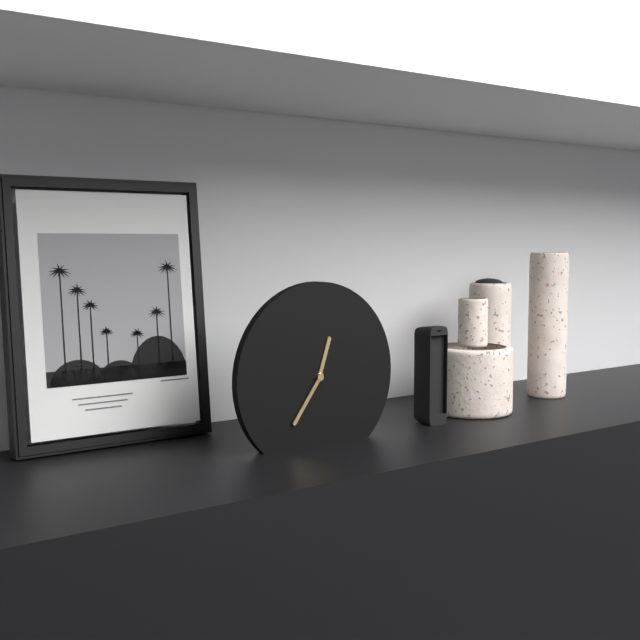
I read **12:36**
